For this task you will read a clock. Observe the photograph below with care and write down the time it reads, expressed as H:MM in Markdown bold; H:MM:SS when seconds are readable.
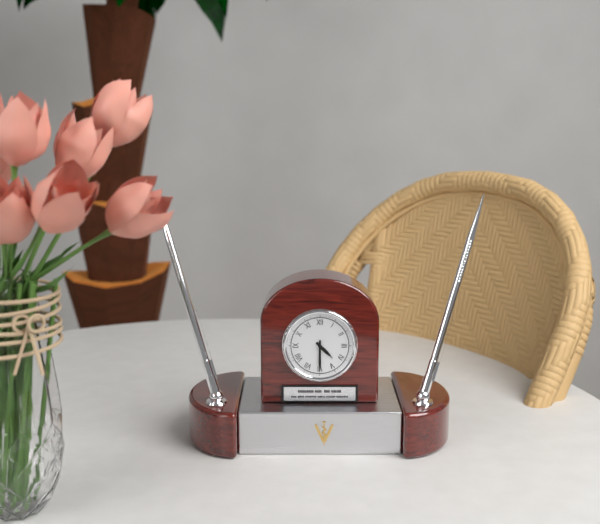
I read **4:30**
